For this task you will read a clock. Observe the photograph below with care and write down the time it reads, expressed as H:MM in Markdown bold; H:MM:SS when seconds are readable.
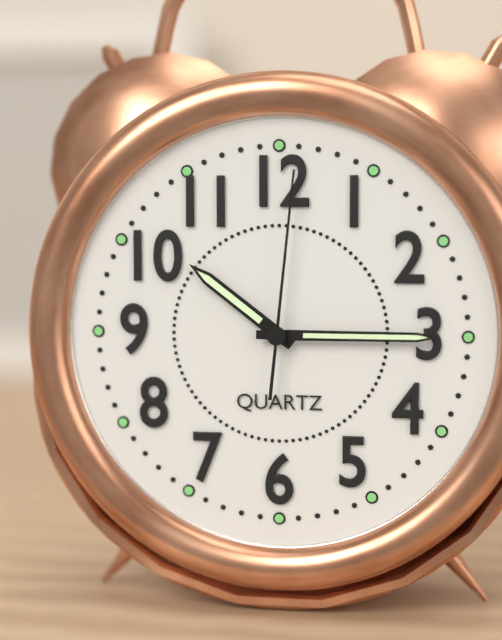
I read **10:15:01**
